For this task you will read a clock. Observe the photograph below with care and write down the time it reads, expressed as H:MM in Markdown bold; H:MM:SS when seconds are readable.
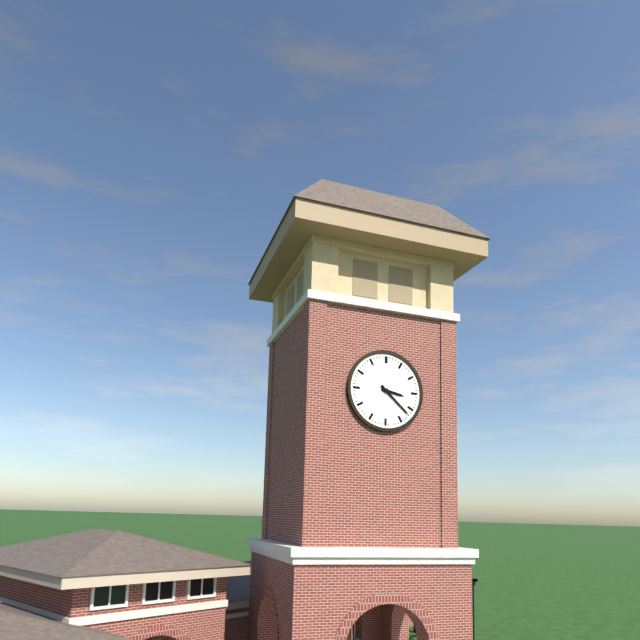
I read **3:22**
